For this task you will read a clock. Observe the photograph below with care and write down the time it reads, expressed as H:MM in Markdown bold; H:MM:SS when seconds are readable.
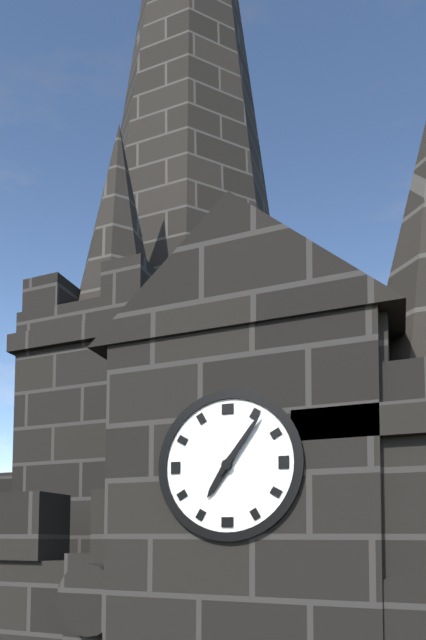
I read **7:06**
